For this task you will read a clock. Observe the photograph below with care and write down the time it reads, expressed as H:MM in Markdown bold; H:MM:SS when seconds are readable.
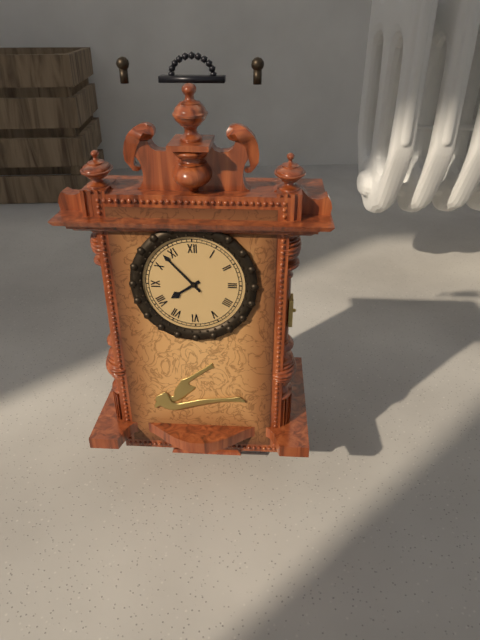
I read **7:53**
